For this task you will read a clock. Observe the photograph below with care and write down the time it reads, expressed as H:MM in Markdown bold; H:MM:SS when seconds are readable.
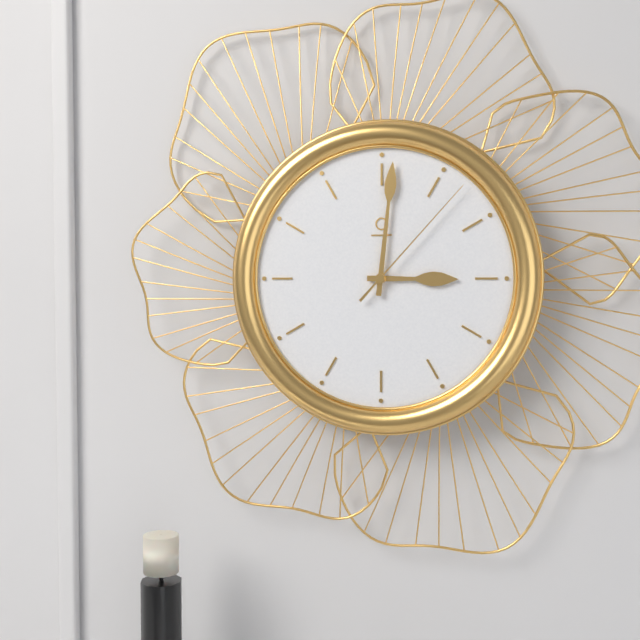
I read **3:01:07**
